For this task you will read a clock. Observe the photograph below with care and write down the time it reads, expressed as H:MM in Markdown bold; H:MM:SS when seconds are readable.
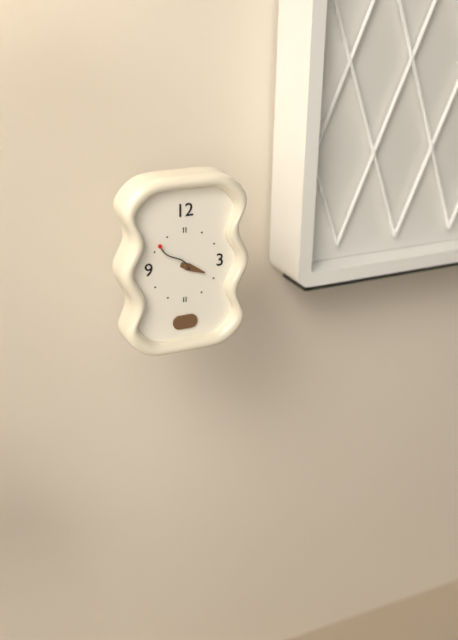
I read **3:52**
